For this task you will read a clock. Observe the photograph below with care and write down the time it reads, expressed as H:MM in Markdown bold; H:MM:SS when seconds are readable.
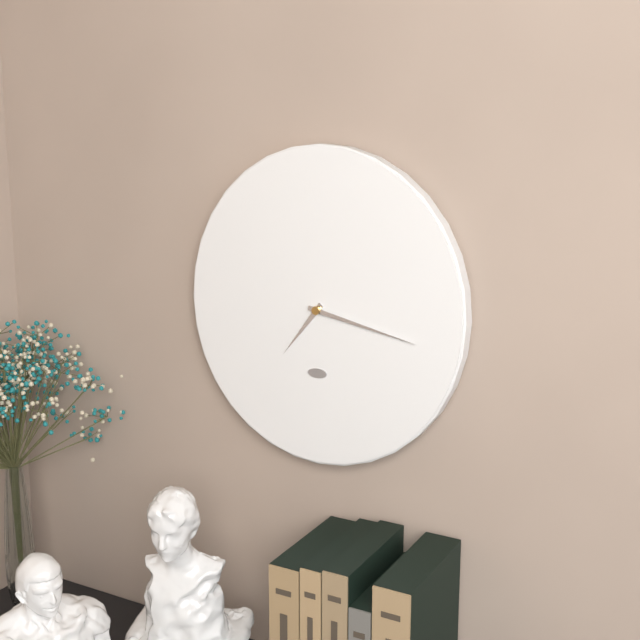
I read **7:17**
